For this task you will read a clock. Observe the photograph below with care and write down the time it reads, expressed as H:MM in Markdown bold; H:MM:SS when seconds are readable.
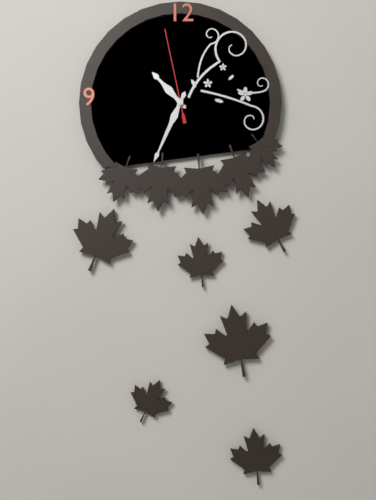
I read **10:34:58**
